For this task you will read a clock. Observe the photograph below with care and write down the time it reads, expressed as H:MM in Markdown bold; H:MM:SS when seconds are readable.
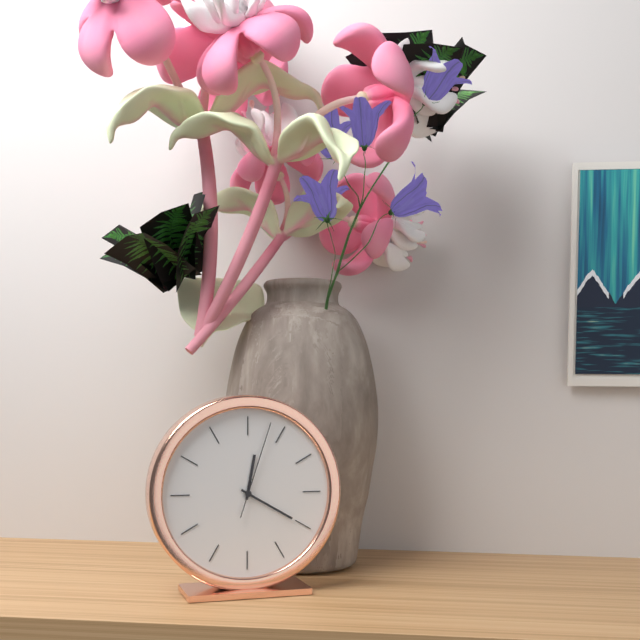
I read **12:20:03**
